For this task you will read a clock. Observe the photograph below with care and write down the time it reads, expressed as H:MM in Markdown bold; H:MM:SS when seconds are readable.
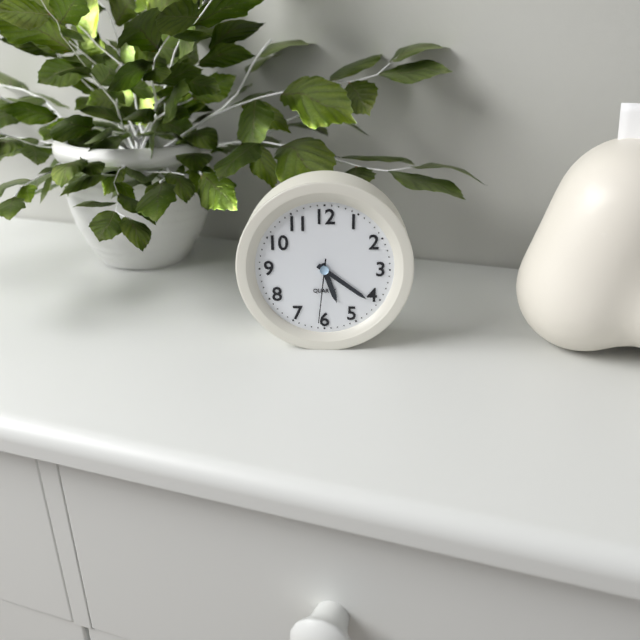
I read **5:21:31**
